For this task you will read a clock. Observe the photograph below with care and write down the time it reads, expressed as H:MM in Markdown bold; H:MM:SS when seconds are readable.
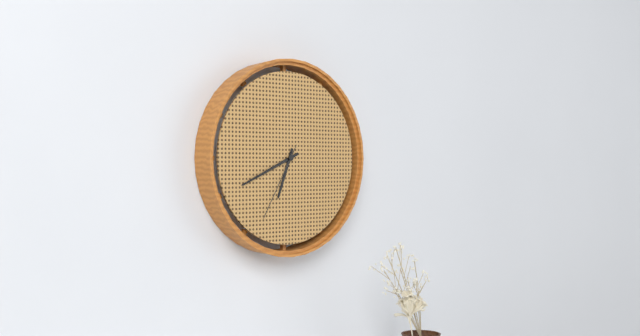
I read **6:41:35**
